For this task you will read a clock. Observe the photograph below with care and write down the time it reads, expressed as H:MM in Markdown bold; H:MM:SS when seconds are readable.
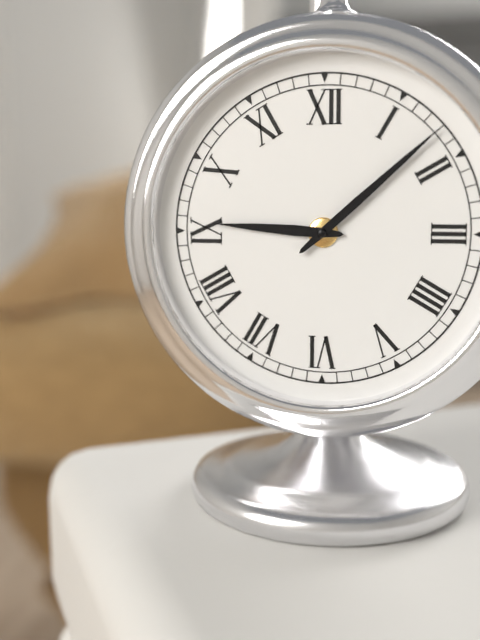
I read **9:08**
